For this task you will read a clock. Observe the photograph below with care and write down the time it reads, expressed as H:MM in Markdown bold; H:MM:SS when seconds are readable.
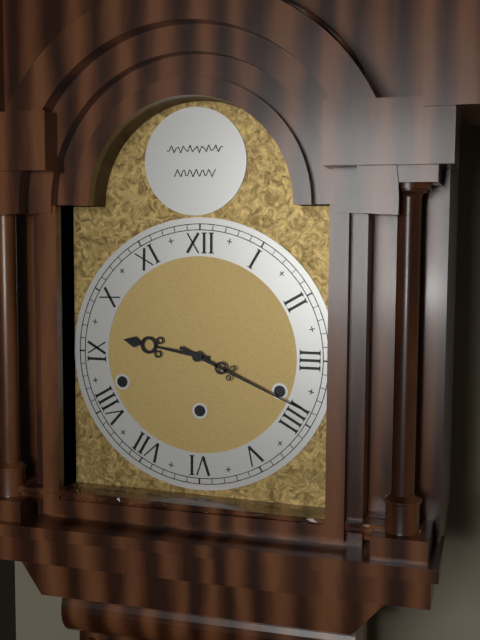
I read **9:19**
